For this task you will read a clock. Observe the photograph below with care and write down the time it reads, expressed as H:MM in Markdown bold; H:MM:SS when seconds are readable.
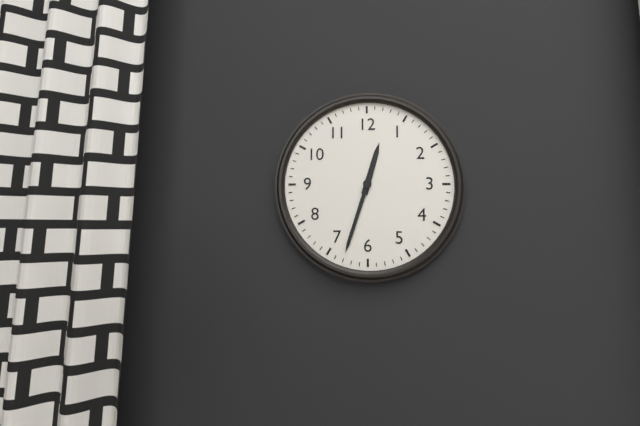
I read **12:33**
